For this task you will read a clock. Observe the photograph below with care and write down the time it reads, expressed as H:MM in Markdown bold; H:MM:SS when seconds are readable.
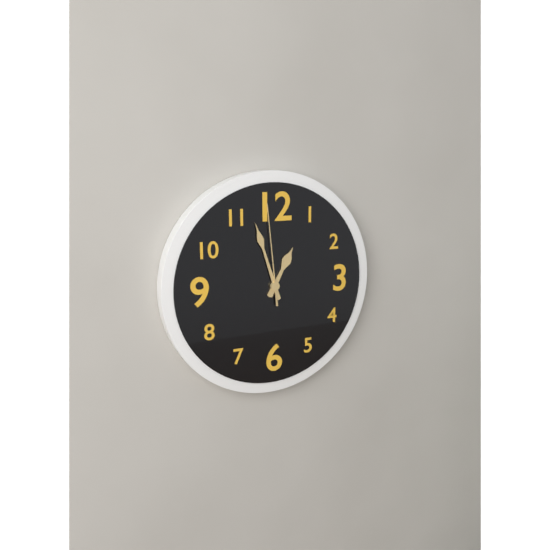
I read **12:57:59**
